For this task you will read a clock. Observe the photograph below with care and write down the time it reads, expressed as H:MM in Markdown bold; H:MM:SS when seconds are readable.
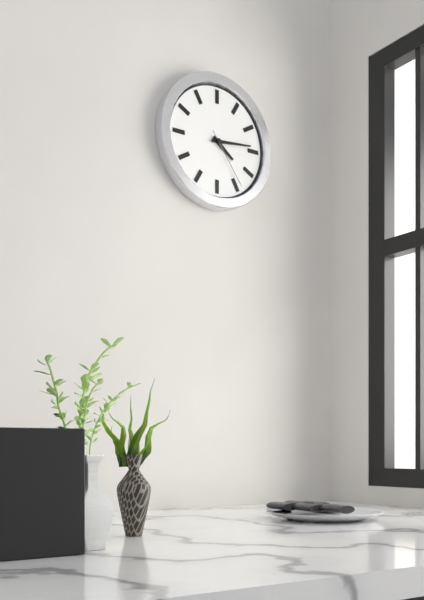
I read **4:14:24**
